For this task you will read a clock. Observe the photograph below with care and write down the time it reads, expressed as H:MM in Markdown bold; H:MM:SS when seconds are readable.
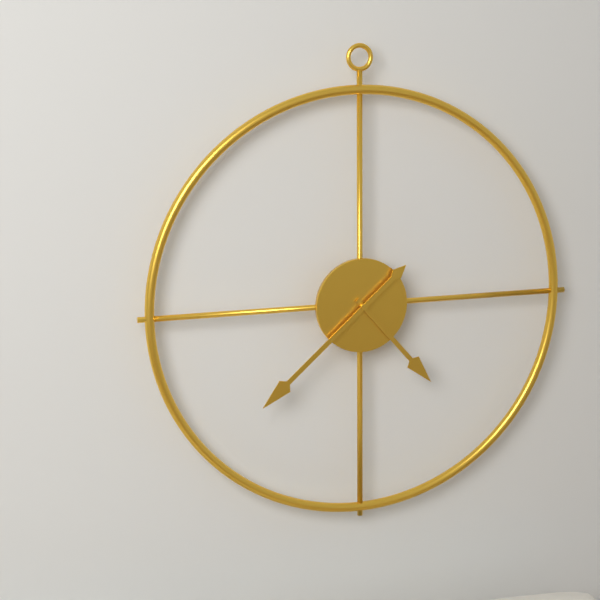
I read **4:38**
